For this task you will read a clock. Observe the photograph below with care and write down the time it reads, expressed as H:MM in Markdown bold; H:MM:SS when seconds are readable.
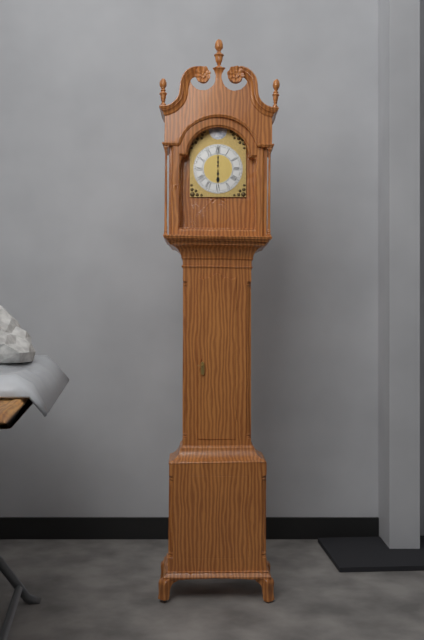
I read **6:00**
